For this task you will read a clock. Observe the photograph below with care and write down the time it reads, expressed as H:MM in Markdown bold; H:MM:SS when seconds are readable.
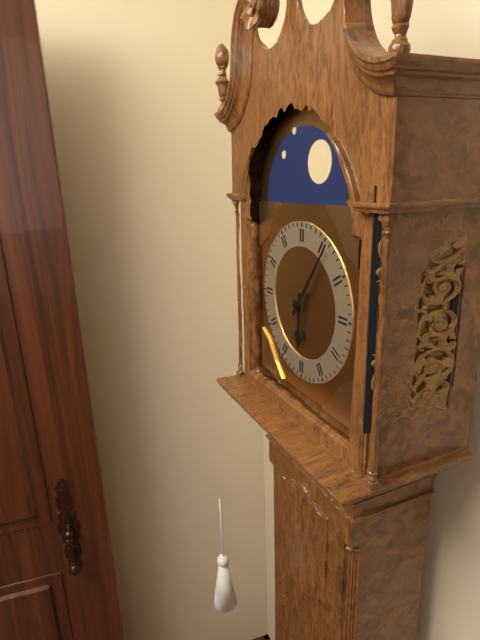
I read **6:06**
